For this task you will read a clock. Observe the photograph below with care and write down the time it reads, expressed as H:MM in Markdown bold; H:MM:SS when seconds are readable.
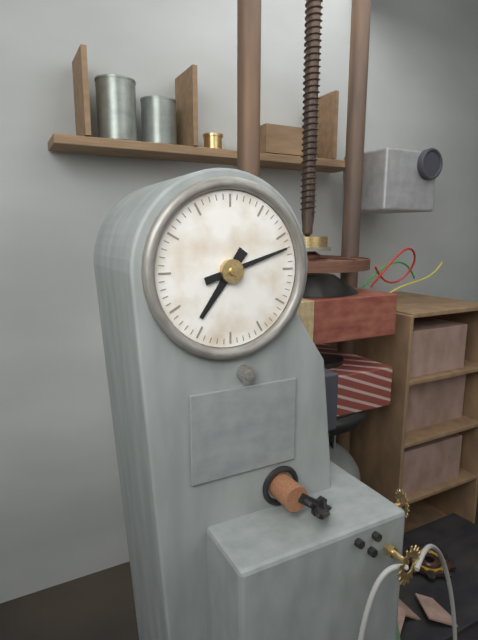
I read **7:12**
